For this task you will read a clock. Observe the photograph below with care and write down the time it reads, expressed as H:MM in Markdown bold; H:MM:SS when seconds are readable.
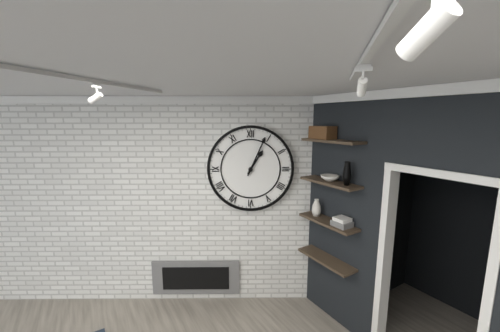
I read **1:04**
